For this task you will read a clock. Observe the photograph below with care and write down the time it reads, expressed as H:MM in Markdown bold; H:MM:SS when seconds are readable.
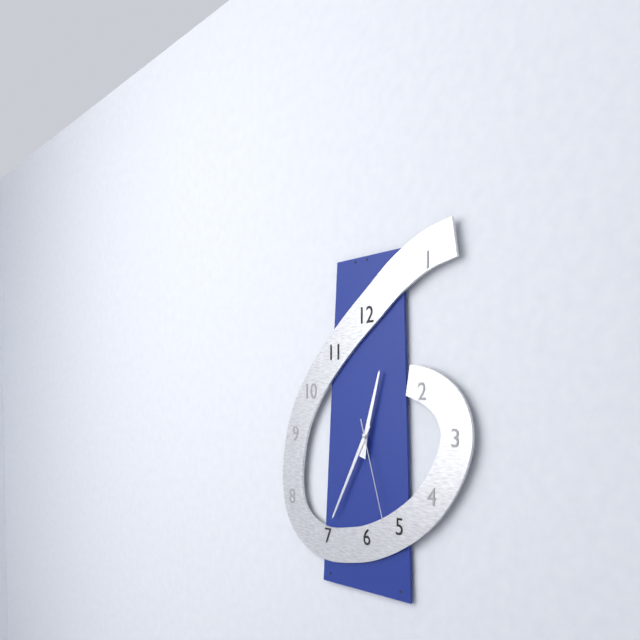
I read **12:35:27**
